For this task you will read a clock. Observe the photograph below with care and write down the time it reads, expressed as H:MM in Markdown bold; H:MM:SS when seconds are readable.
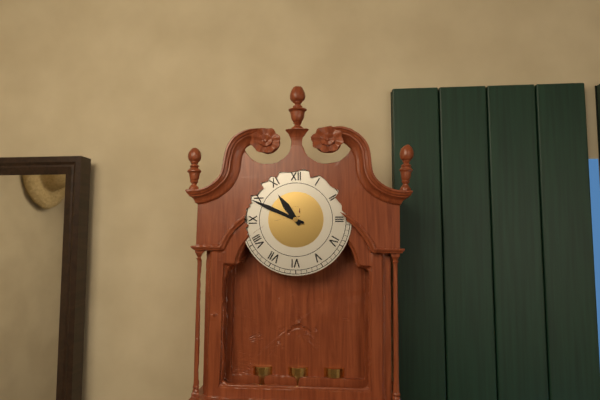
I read **10:49**
